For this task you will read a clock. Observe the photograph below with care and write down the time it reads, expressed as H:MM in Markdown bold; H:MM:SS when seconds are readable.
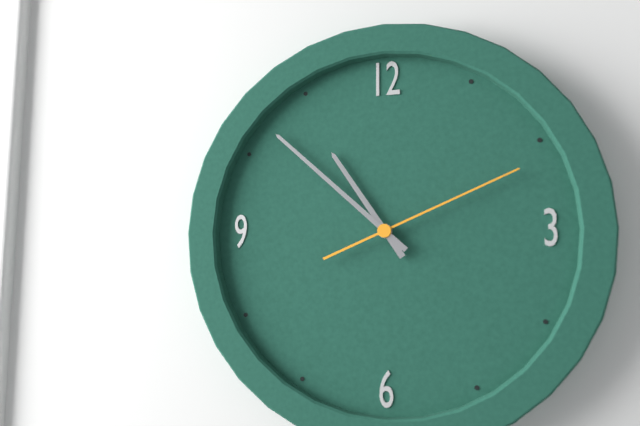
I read **10:52:11**
